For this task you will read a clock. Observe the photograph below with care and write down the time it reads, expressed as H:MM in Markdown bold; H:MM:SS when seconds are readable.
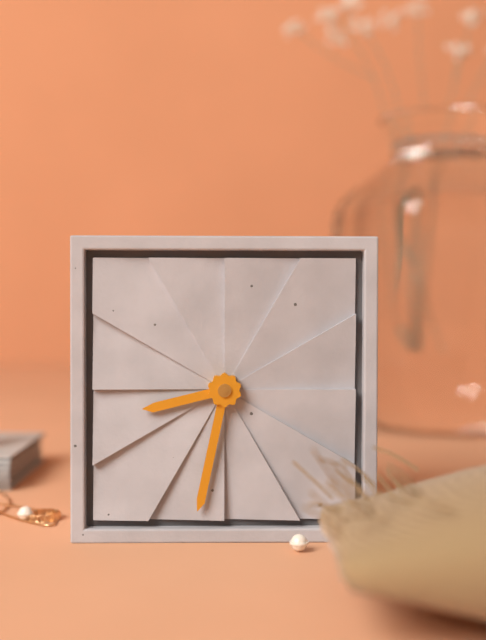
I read **8:32**
